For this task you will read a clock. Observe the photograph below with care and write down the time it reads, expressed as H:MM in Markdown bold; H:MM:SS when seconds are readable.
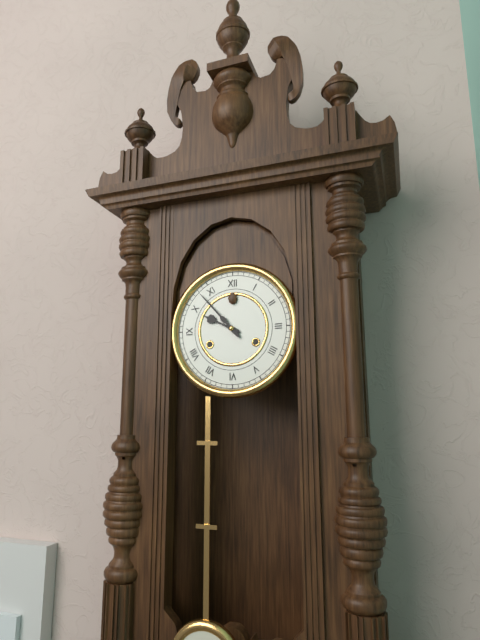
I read **9:53**
